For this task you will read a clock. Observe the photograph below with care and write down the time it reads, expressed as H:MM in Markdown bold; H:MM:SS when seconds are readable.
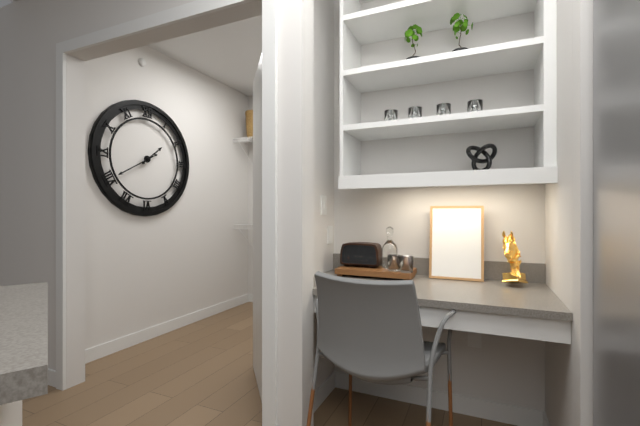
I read **1:40**
